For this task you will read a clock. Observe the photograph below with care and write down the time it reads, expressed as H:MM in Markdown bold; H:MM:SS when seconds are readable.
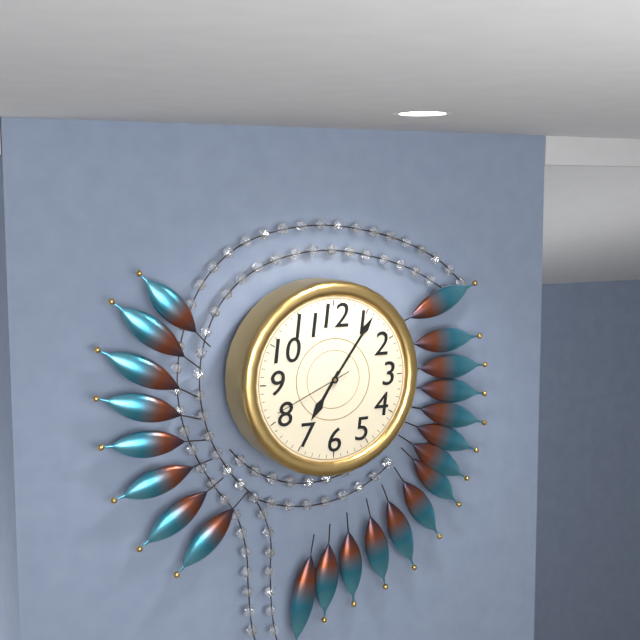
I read **7:06:41**
